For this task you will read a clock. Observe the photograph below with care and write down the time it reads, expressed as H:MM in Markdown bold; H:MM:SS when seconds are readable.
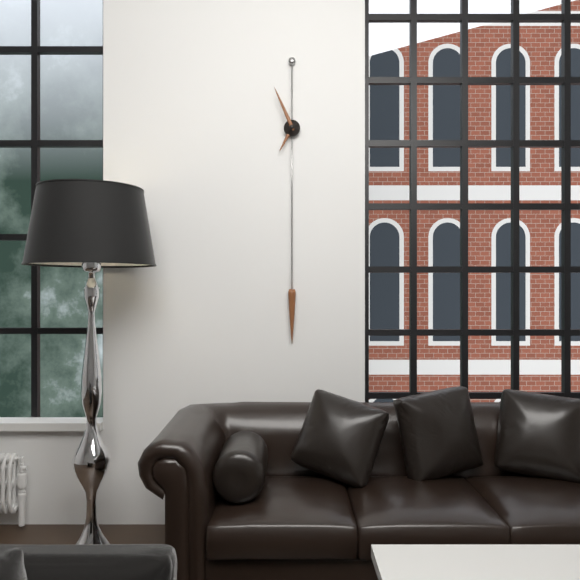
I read **6:56**
